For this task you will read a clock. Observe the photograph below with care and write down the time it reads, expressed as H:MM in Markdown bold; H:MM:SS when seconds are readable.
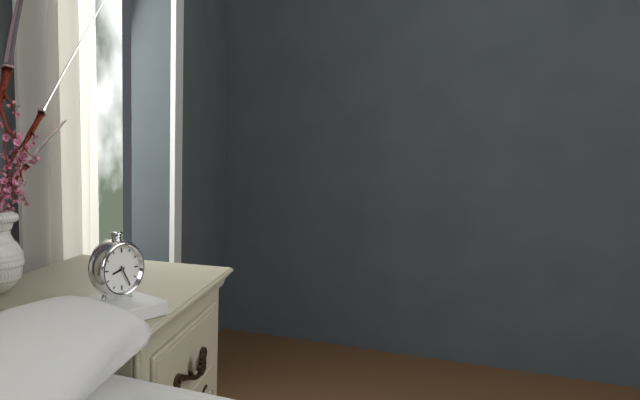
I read **8:25**
